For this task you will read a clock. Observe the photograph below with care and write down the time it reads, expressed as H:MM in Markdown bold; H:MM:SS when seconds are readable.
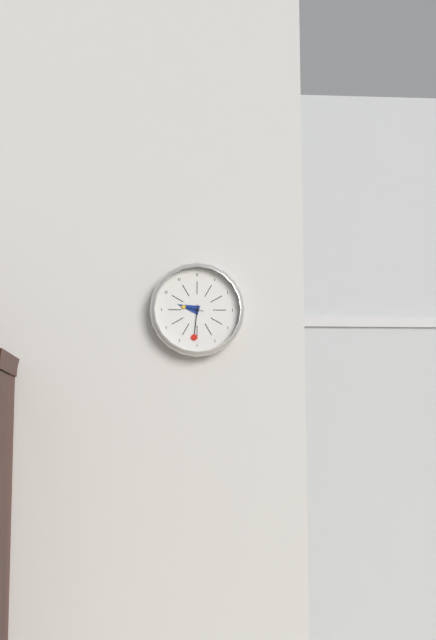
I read **9:31**
